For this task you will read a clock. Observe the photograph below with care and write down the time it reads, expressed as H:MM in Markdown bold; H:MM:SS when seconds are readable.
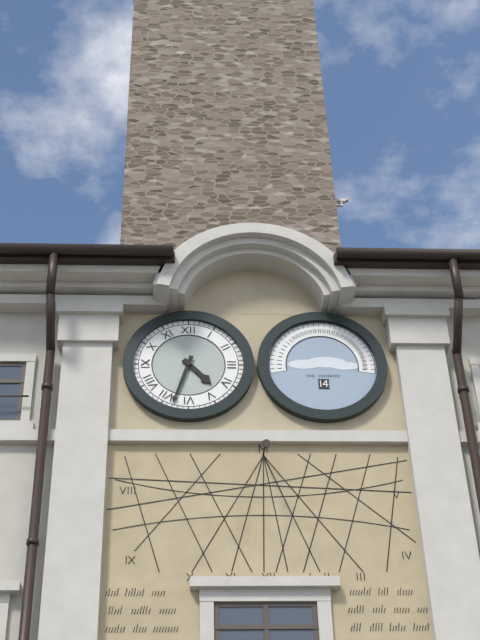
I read **4:33**
